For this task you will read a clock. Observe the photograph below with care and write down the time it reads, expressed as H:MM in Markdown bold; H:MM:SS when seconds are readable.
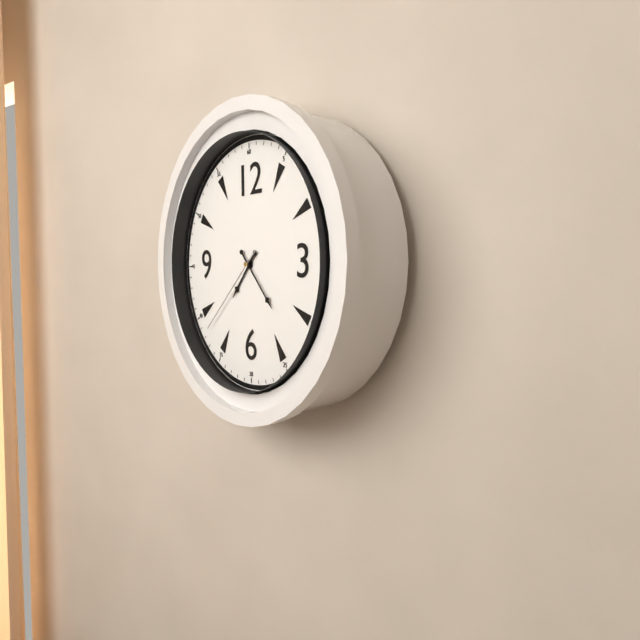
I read **7:23:38**
